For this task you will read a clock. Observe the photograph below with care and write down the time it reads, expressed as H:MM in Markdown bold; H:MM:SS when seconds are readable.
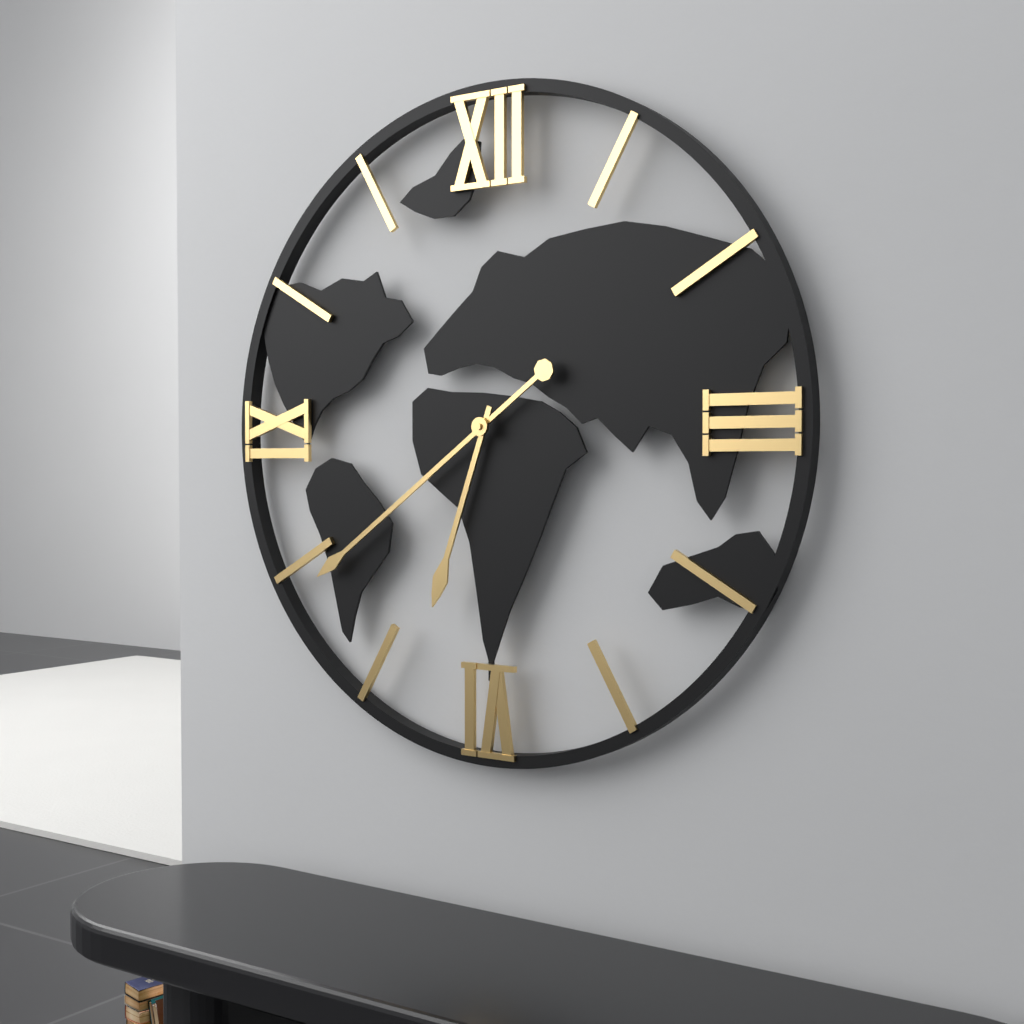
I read **6:39**
